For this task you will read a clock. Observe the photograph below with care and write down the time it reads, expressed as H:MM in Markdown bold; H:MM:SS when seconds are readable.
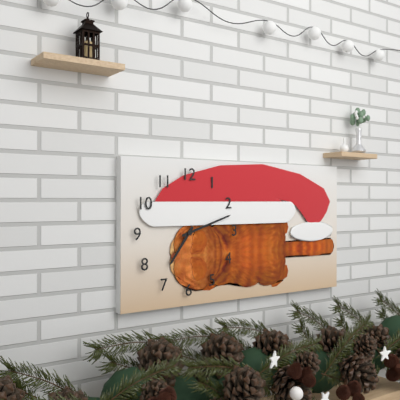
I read **7:12**
